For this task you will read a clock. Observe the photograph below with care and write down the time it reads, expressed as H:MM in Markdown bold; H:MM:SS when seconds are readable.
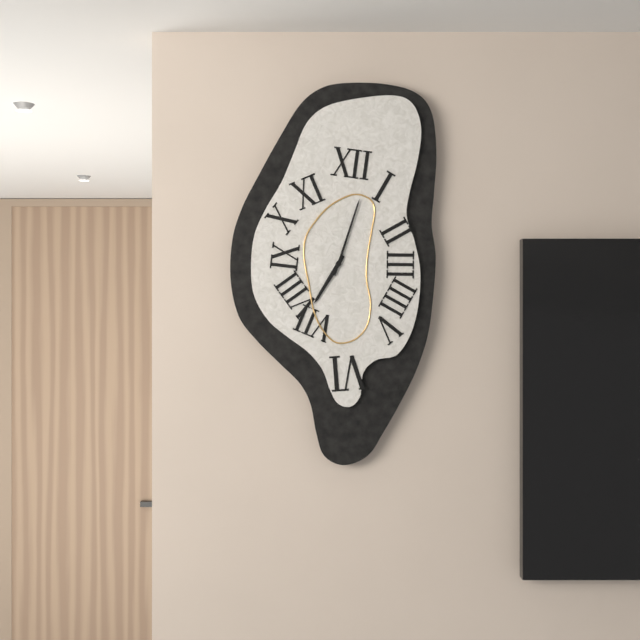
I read **7:03**
